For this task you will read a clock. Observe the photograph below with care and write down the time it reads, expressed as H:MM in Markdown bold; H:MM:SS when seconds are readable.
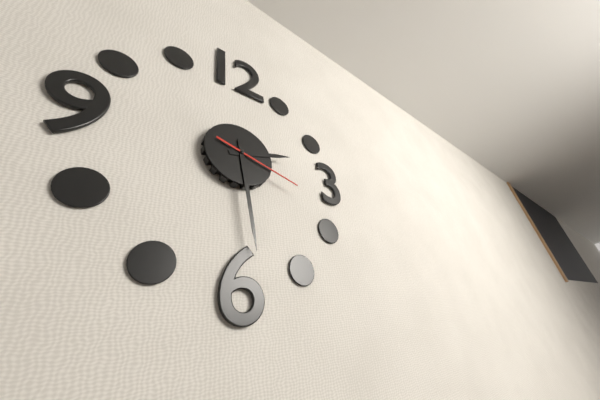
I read **2:29:18**
